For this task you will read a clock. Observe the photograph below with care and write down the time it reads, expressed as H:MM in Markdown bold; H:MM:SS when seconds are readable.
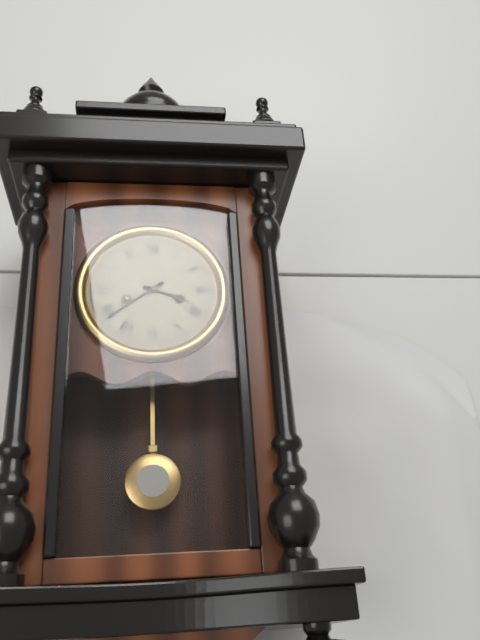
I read **3:39**
